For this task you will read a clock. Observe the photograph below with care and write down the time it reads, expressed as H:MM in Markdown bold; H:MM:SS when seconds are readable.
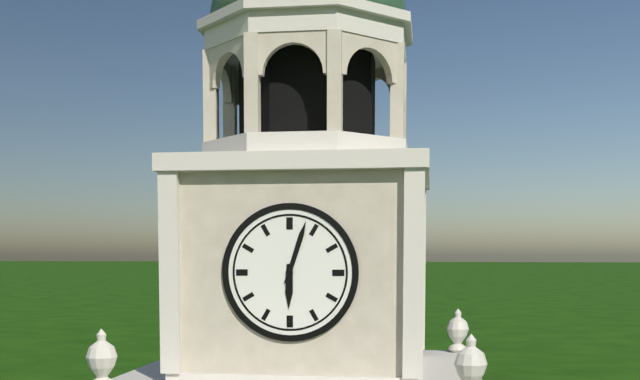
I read **6:03**
